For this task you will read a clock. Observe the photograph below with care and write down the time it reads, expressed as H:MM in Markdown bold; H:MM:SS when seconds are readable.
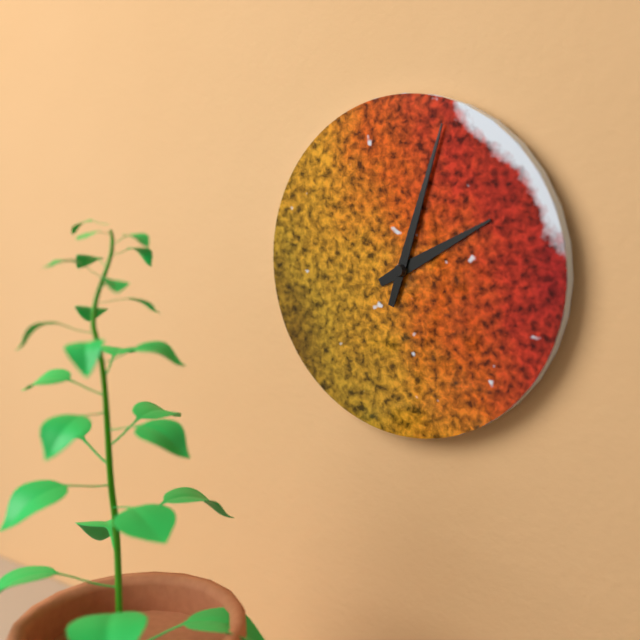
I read **2:03**
